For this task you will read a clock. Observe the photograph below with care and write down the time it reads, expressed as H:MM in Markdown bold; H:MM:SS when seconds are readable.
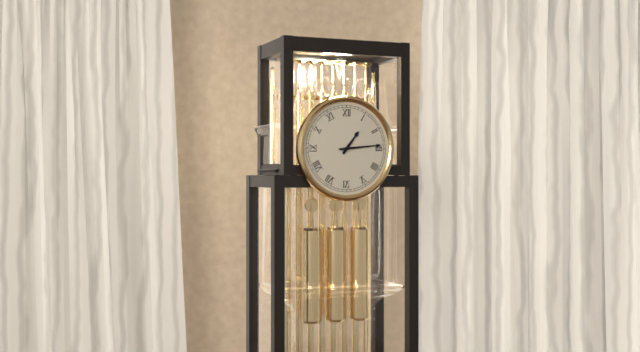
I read **1:14**
